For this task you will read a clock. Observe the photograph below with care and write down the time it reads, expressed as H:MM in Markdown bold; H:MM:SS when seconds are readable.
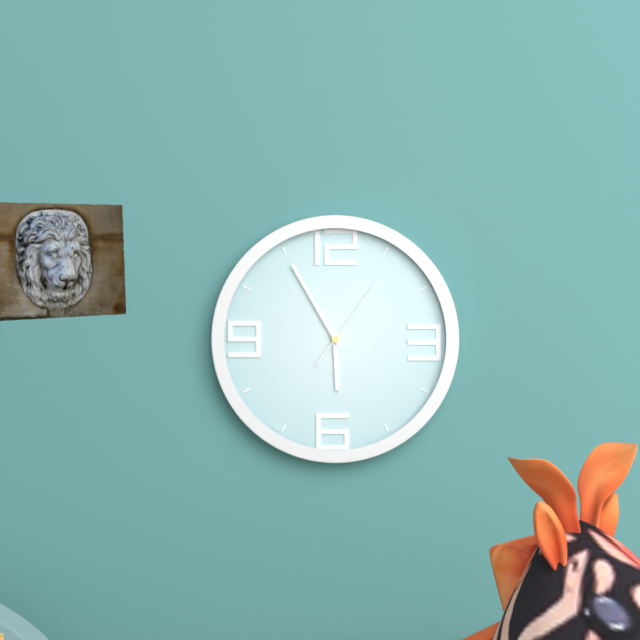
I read **5:55:06**
